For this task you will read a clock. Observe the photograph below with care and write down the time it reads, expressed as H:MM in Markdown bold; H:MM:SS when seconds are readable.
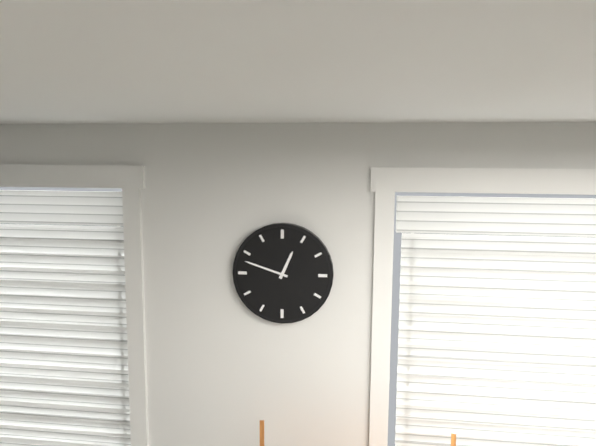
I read **12:48**
